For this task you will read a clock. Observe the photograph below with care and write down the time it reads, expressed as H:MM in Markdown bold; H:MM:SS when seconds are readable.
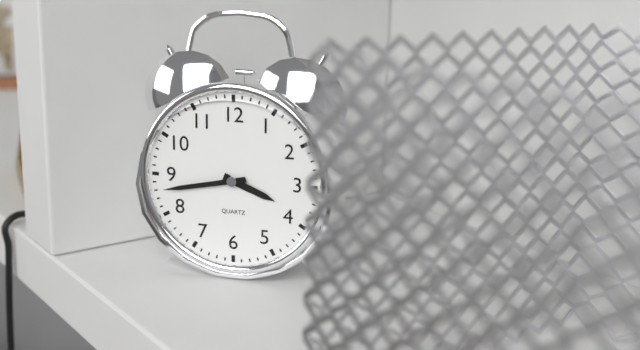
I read **3:43**
